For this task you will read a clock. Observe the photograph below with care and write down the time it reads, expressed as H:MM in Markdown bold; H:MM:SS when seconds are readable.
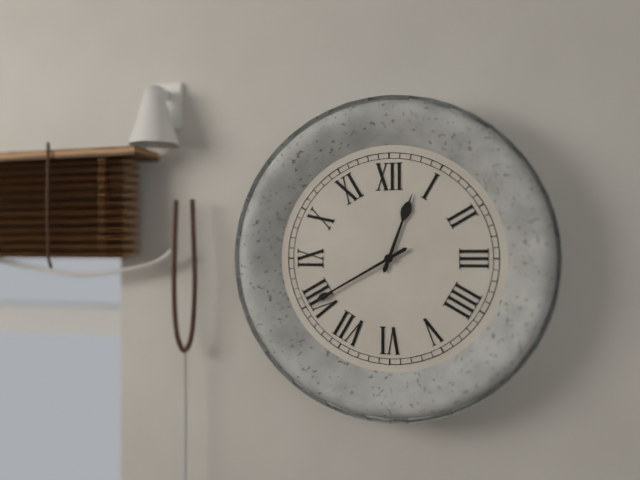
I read **12:40**
